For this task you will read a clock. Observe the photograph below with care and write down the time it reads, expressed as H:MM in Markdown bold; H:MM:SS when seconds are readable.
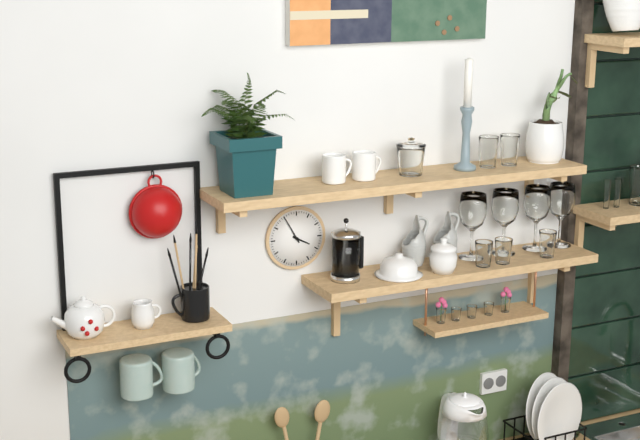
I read **3:55**
